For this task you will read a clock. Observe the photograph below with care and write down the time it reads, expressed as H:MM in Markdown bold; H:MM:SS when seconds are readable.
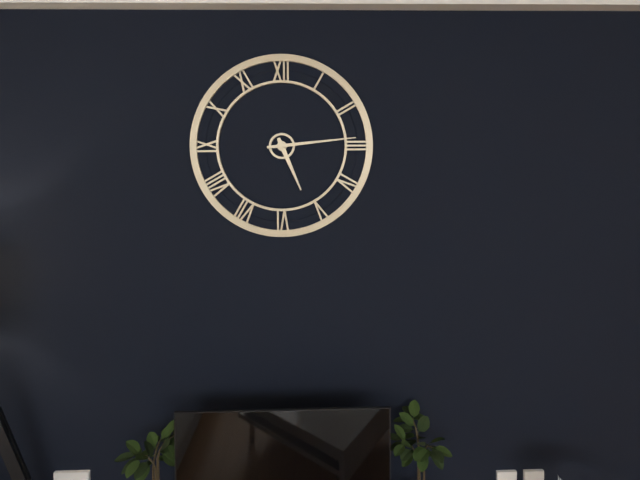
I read **5:14**
